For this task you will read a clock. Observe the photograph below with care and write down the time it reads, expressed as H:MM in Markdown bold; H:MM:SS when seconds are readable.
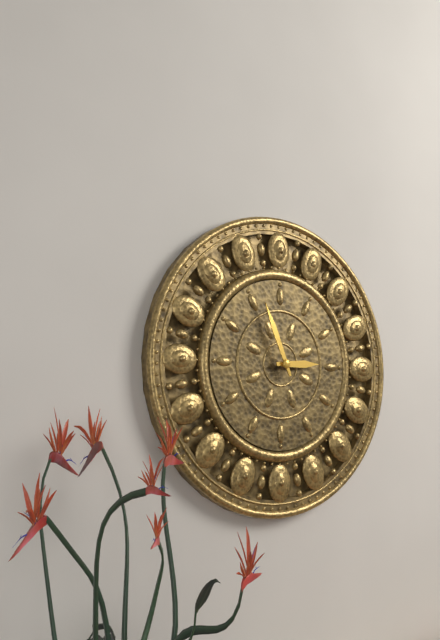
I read **2:56**
